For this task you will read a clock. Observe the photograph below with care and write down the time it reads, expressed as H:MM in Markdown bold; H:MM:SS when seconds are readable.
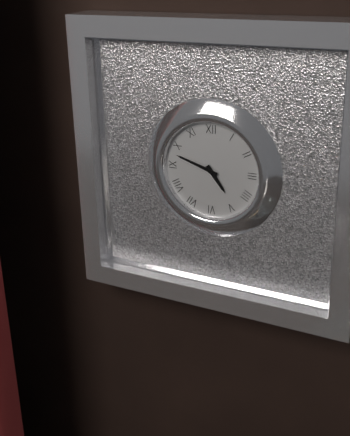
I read **4:48**
